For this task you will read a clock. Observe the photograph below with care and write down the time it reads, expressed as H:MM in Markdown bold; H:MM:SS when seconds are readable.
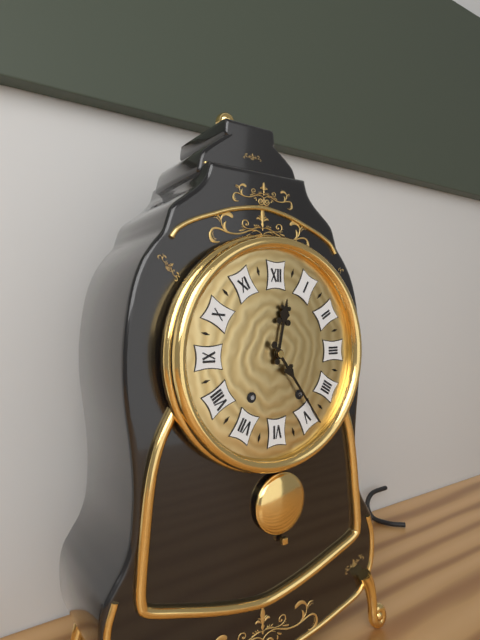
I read **12:24**
